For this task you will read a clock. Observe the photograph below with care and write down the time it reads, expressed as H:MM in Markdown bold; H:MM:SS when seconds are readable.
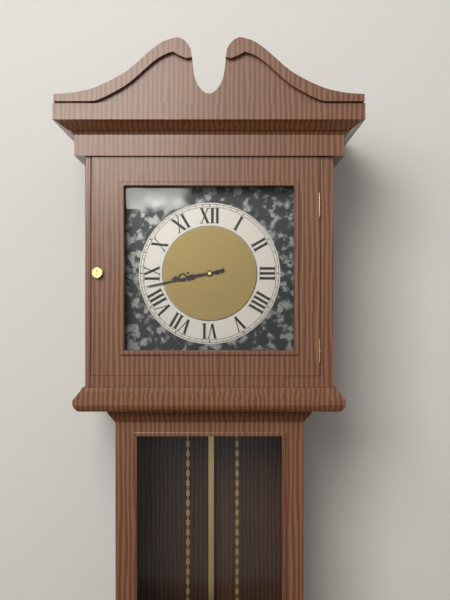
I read **8:43**
